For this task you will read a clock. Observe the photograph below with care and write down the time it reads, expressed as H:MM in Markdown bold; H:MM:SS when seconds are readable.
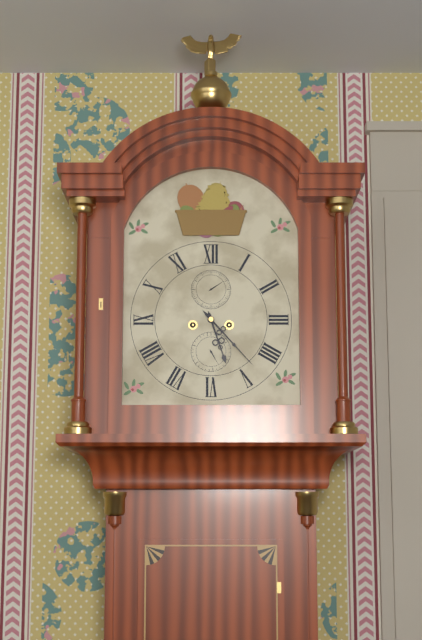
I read **5:23**
